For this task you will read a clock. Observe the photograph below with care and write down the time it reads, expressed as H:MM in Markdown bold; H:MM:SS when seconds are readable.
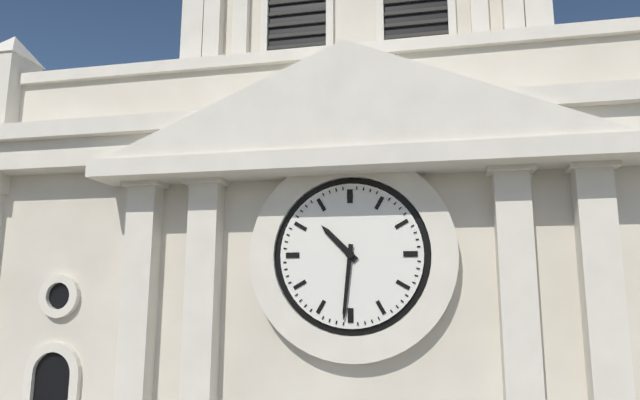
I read **10:31**
